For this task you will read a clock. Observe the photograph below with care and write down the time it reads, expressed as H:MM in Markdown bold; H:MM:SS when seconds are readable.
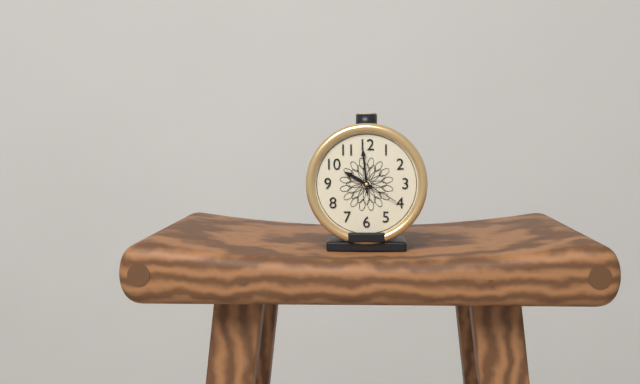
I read **9:59**
